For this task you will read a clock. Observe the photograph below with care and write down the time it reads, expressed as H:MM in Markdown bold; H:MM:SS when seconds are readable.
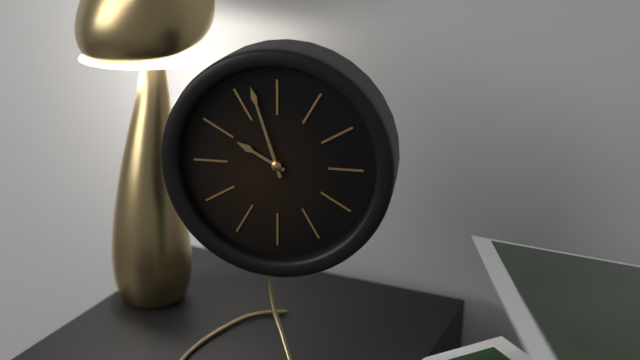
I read **9:57**
